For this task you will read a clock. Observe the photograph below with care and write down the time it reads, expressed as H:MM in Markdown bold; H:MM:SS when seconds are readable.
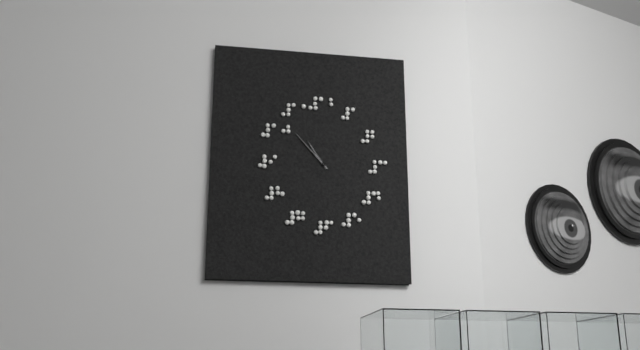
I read **10:53**
